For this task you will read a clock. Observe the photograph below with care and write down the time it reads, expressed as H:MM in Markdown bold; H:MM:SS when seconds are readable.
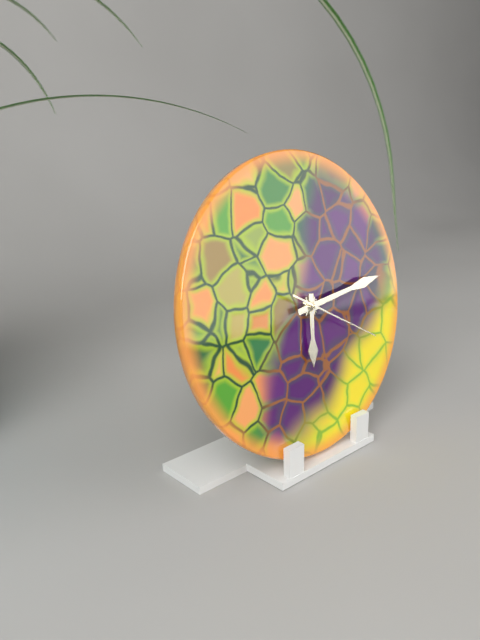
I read **6:14:20**
